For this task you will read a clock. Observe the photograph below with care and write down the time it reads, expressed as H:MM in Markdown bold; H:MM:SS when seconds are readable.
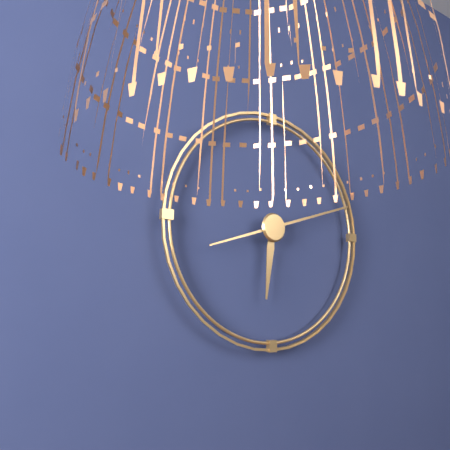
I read **6:12**
